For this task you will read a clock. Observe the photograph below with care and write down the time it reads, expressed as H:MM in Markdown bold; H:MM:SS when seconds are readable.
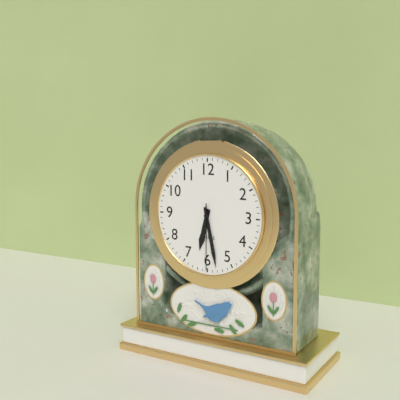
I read **6:28:30**
